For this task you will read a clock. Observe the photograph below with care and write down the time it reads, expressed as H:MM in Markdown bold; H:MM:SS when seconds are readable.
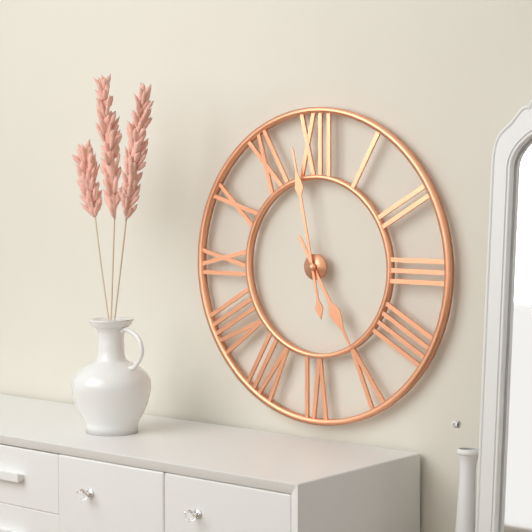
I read **4:58**
